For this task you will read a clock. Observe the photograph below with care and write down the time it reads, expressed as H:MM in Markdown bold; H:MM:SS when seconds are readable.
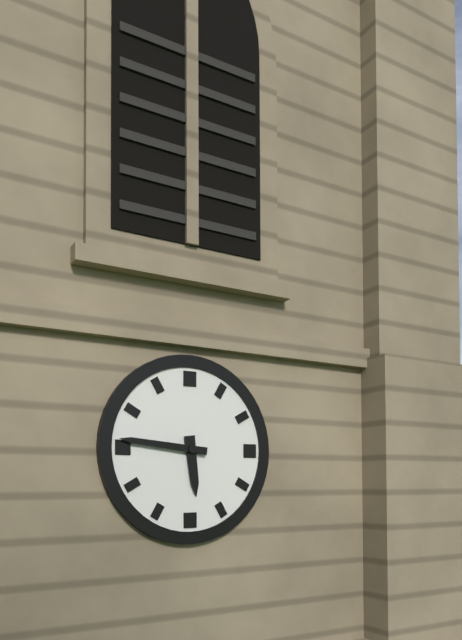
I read **5:46**
